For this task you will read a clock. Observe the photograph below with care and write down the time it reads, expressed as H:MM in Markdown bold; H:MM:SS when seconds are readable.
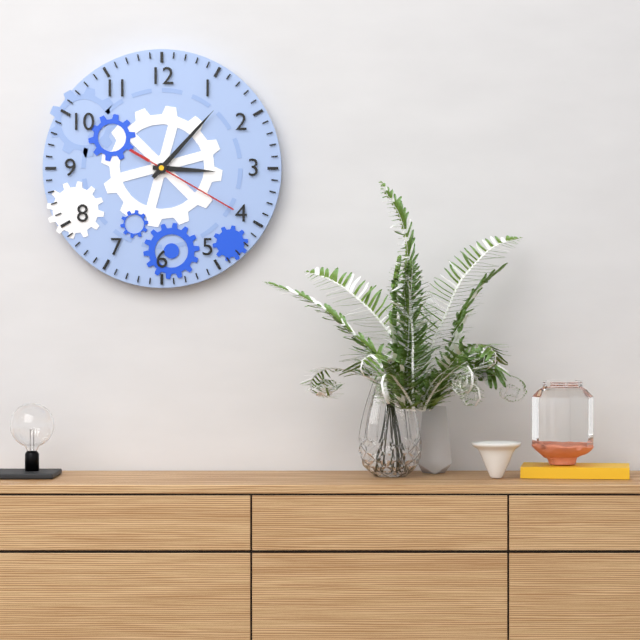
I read **3:07:20**
